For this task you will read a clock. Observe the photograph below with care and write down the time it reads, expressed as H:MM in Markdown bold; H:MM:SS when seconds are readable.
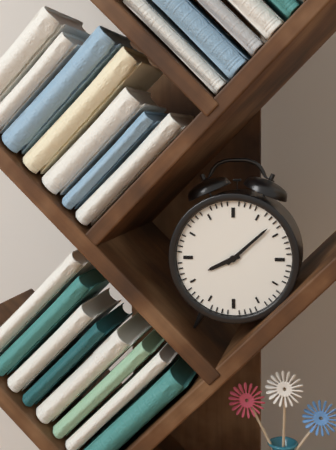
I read **8:08**
